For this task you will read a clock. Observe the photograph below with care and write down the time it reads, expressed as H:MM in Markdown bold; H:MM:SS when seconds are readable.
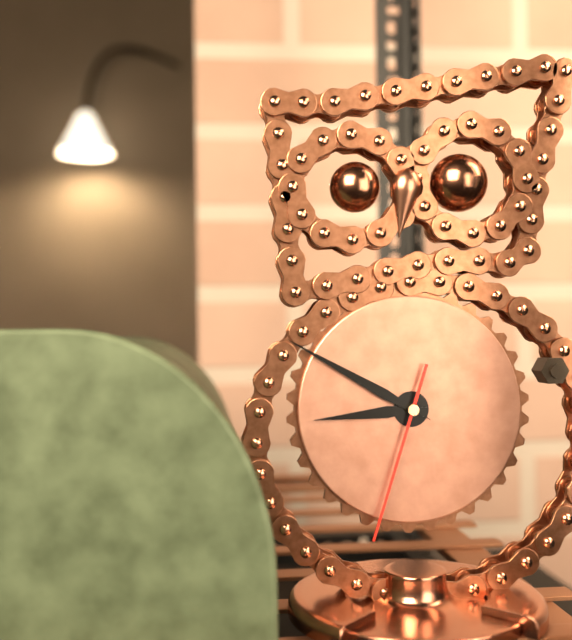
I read **8:50:33**
